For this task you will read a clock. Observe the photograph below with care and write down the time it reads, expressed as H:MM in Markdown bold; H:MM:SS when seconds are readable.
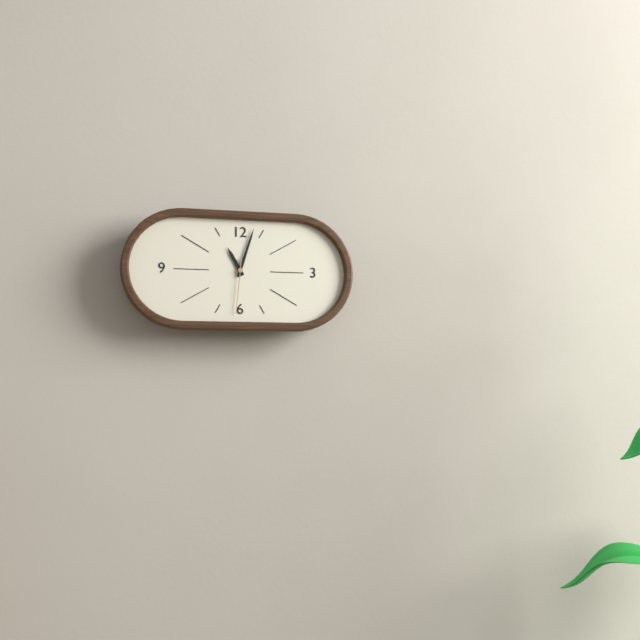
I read **11:03:31**
